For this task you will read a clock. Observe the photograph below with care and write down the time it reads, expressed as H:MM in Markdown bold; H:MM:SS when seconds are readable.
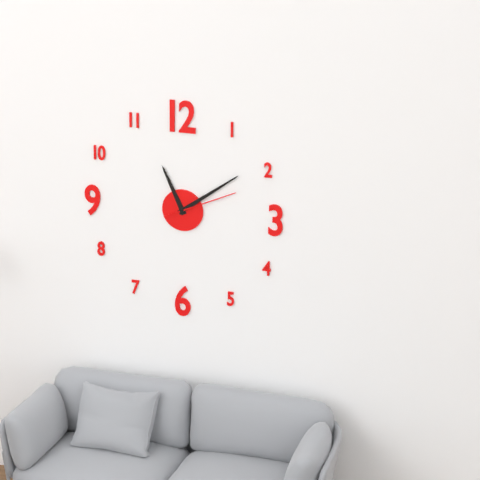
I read **11:09:11**
